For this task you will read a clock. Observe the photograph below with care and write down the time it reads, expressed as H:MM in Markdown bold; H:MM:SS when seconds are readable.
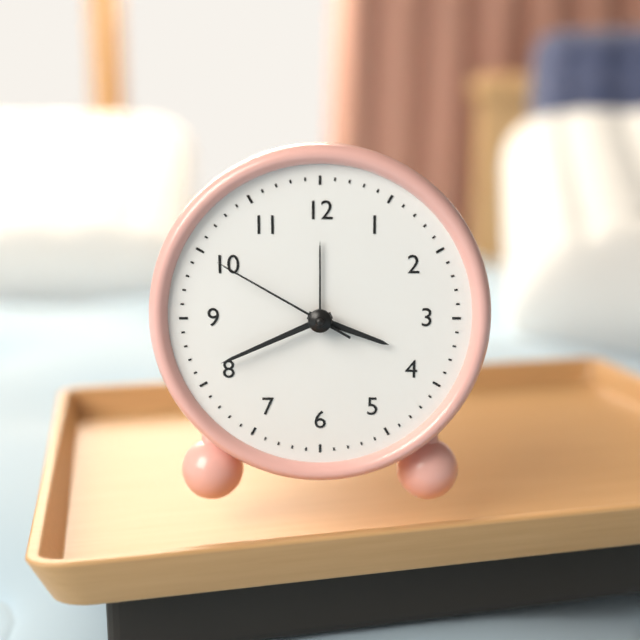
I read **3:41:50**
